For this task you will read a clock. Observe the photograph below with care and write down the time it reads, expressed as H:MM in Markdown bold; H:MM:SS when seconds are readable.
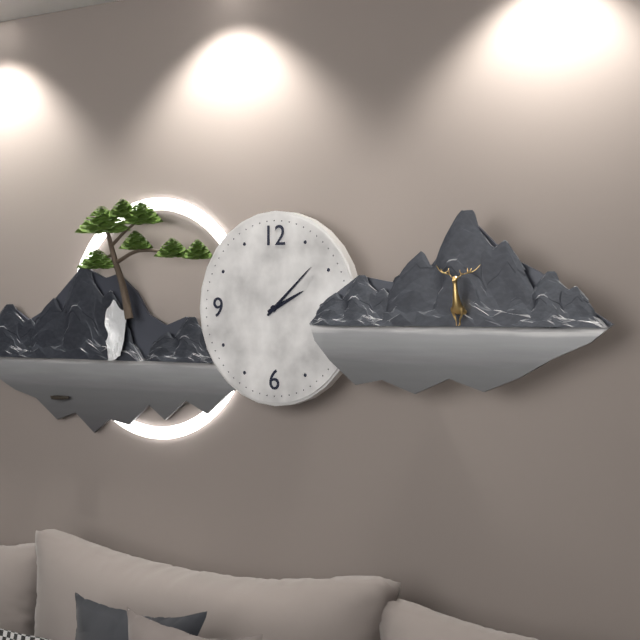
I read **2:08**
